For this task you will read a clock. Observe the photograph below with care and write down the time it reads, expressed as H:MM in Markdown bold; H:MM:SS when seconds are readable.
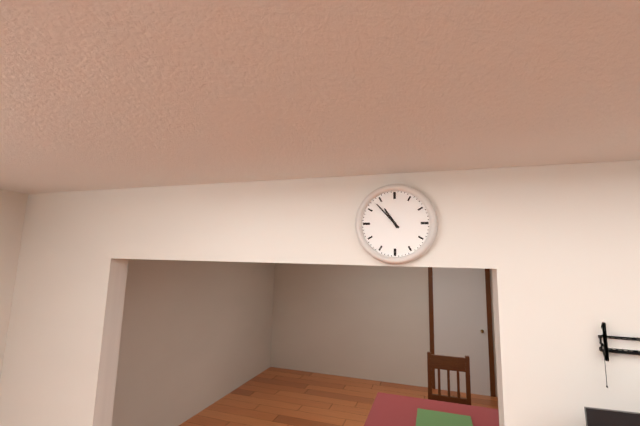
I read **10:53**
